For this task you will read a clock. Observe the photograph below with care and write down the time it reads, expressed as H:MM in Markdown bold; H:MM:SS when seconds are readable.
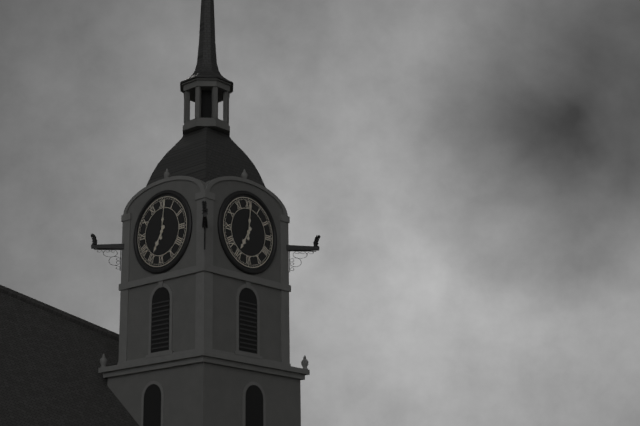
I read **7:01**
